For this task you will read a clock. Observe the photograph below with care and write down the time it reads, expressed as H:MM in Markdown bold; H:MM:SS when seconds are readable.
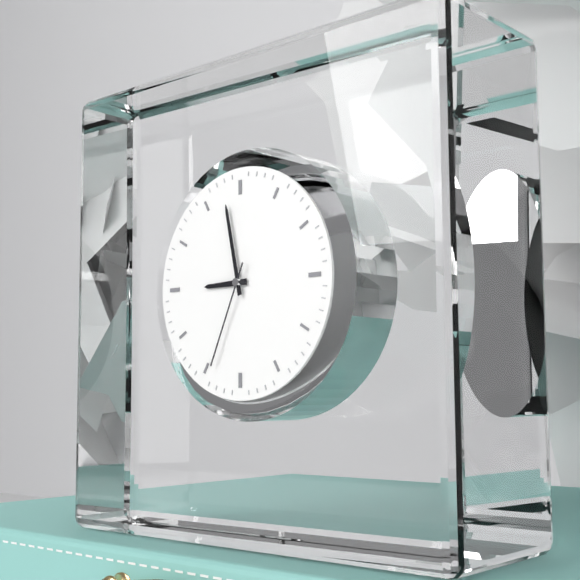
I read **8:58:34**
